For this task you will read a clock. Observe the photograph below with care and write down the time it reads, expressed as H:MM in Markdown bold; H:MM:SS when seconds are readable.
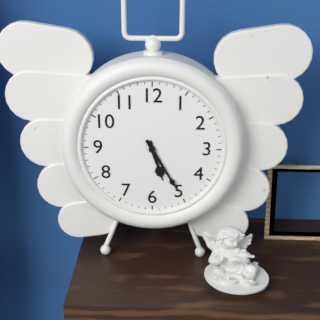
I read **5:25**
